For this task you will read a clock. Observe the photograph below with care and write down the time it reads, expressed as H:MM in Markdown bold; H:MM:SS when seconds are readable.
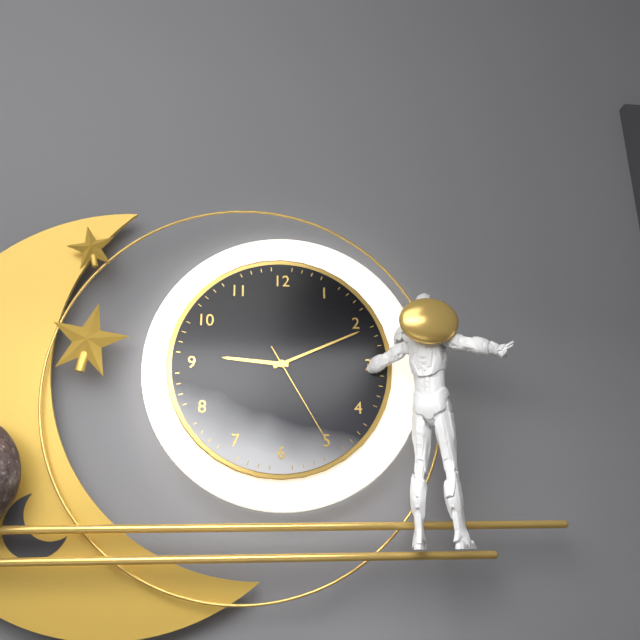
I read **9:11:25**
